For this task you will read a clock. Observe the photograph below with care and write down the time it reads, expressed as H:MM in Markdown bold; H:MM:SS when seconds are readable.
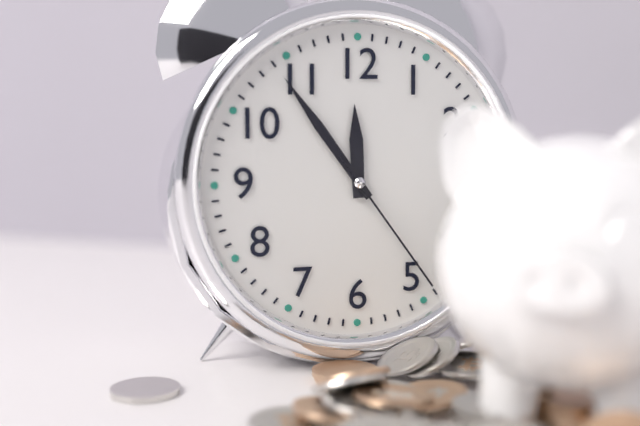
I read **11:54:24**
